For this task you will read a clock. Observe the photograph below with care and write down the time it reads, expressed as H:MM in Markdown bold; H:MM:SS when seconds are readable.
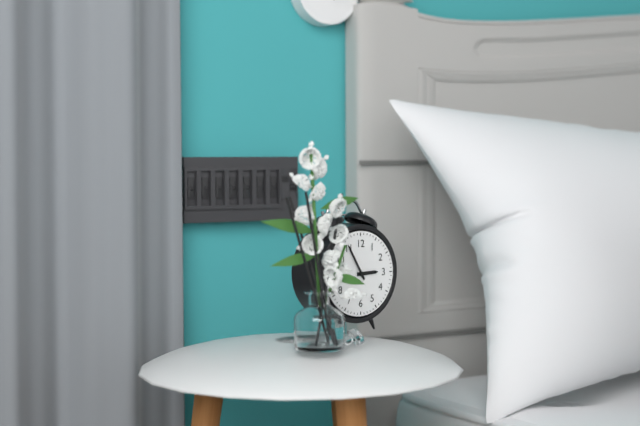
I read **2:55**
